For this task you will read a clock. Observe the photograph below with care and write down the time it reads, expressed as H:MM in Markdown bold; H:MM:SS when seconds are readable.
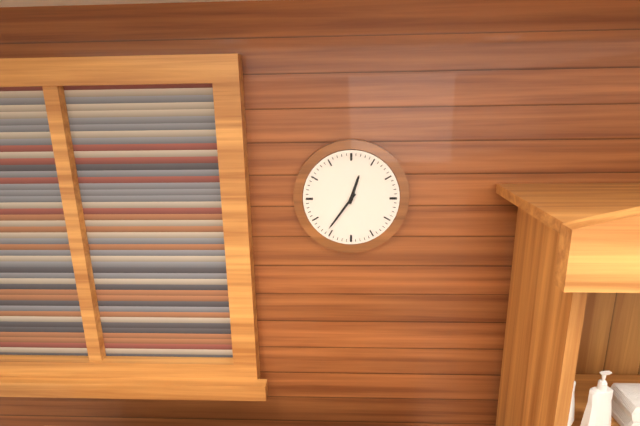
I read **12:36**
